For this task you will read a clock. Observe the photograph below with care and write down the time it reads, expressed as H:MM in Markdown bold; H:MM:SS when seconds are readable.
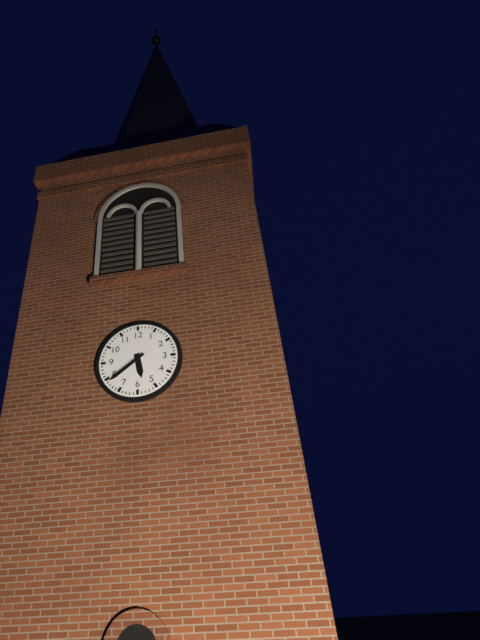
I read **5:39**
